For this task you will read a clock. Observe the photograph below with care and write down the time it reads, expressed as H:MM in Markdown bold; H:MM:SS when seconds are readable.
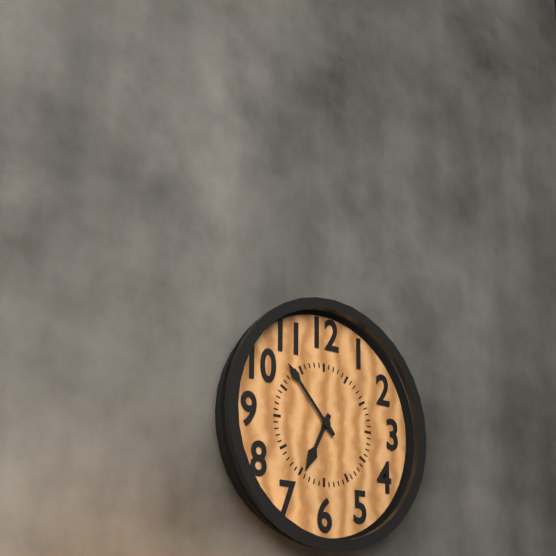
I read **6:53**
